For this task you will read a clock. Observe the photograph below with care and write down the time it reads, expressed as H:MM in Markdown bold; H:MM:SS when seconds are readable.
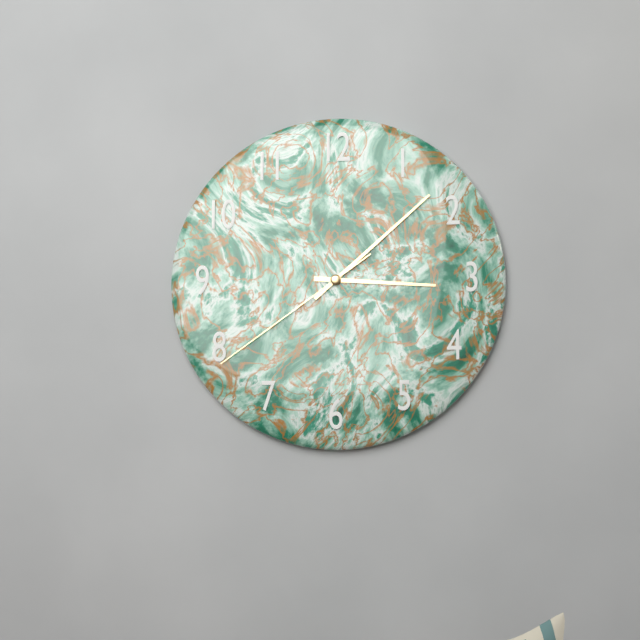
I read **3:08:39**
